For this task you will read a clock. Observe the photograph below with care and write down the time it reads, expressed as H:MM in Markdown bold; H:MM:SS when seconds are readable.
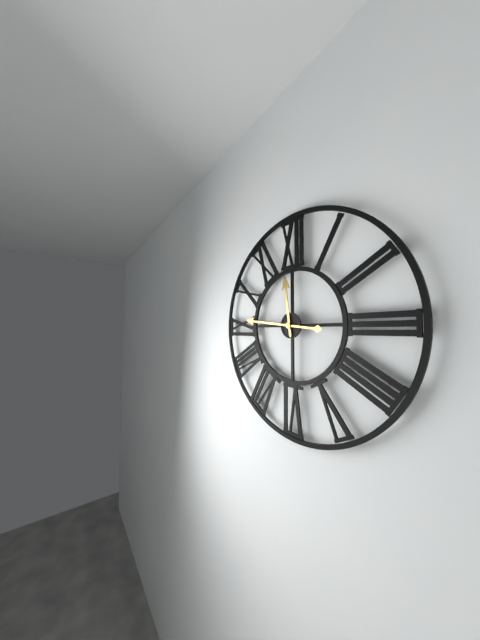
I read **11:46**
